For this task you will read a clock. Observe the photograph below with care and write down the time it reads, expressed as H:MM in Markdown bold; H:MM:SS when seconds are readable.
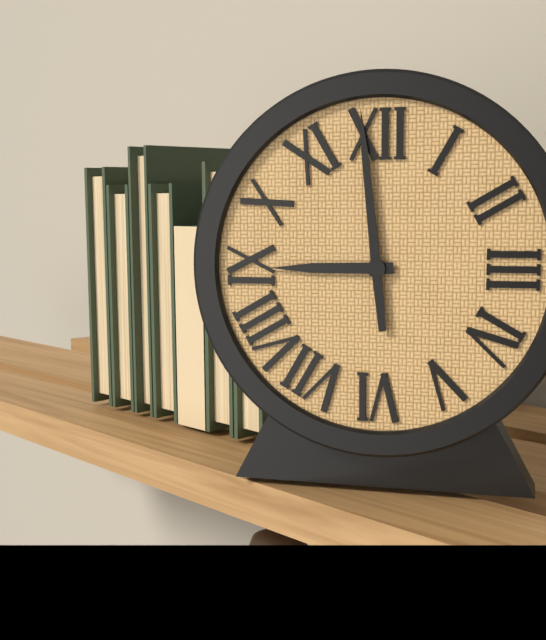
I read **8:59**
